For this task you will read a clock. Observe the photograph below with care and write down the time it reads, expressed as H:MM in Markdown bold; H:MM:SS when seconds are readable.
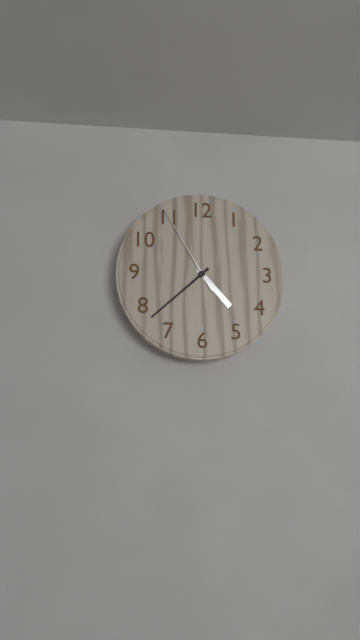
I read **4:38:55**
